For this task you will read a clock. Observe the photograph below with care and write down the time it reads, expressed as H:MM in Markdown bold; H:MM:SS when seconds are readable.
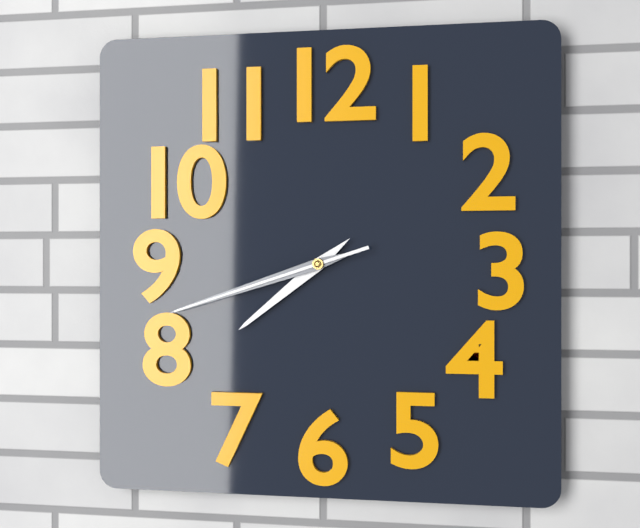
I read **7:42:42**
